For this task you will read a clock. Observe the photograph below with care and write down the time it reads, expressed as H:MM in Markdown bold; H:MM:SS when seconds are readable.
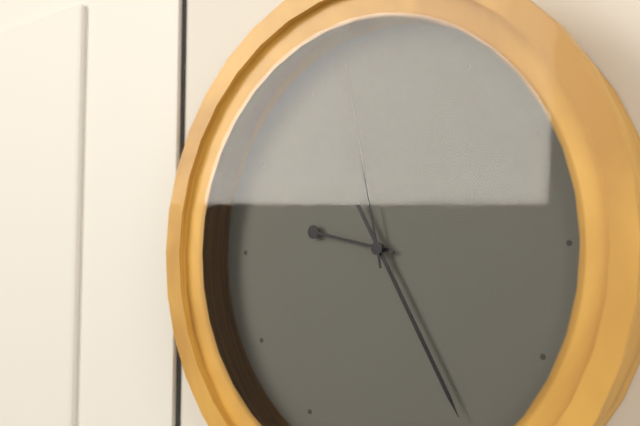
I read **9:25:58**
